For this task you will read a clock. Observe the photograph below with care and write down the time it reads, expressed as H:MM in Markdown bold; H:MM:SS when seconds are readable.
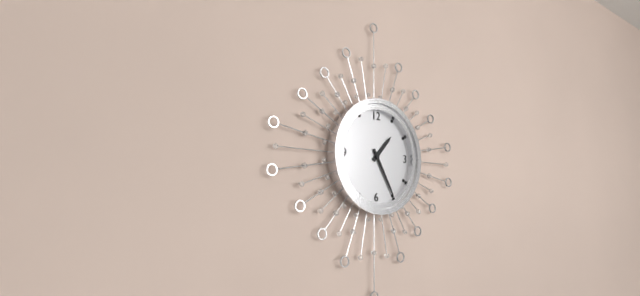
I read **1:25**
